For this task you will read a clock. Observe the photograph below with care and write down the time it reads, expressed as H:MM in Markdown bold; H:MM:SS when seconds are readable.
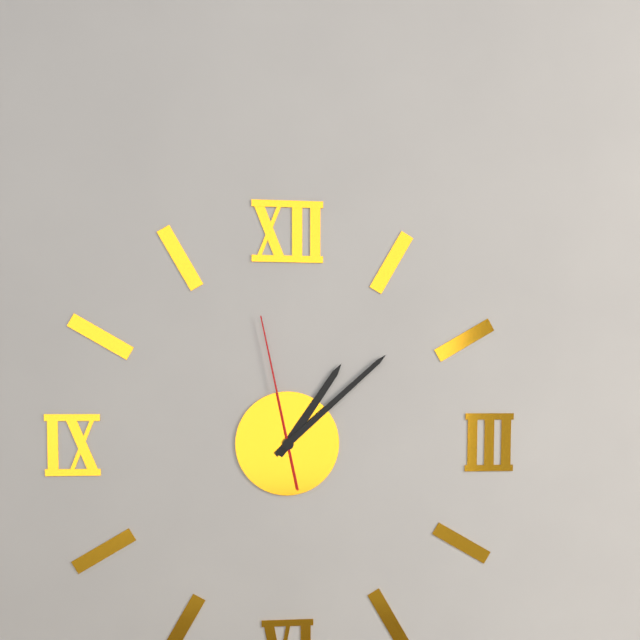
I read **1:08:58**
